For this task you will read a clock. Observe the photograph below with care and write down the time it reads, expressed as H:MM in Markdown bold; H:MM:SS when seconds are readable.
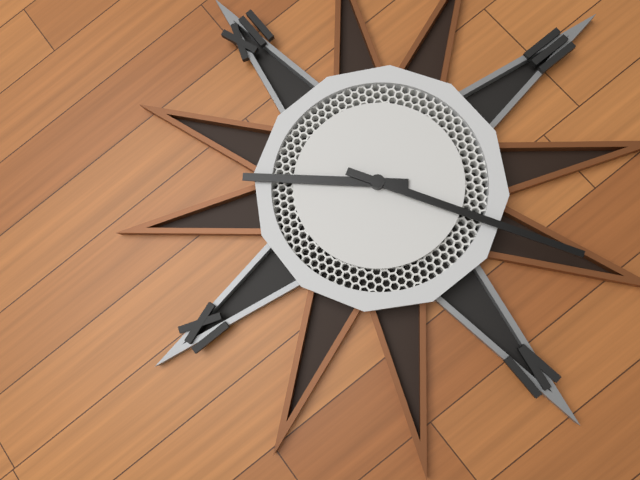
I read **10:25**
